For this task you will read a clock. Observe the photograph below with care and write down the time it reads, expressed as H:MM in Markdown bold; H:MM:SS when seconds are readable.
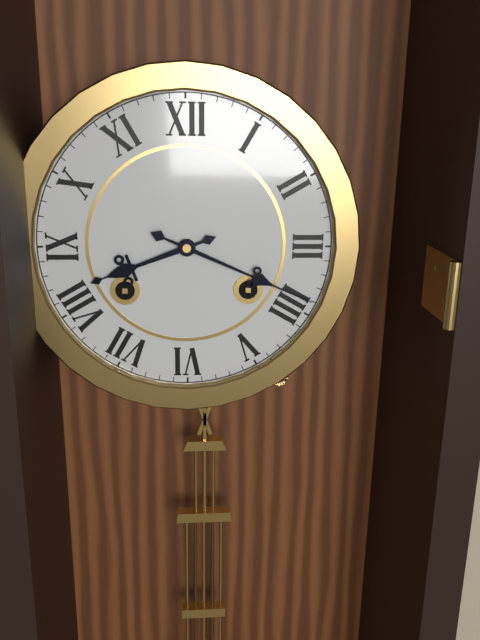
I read **8:19**
